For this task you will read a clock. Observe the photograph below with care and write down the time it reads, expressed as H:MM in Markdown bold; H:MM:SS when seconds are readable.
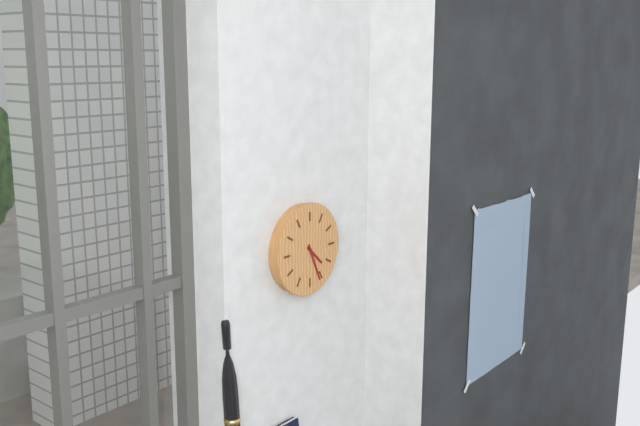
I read **4:26**
